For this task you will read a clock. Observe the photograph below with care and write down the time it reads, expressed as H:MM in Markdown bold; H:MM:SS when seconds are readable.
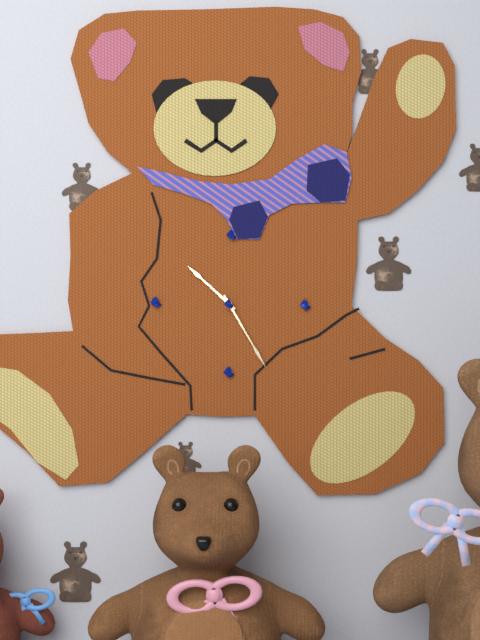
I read **10:25**
